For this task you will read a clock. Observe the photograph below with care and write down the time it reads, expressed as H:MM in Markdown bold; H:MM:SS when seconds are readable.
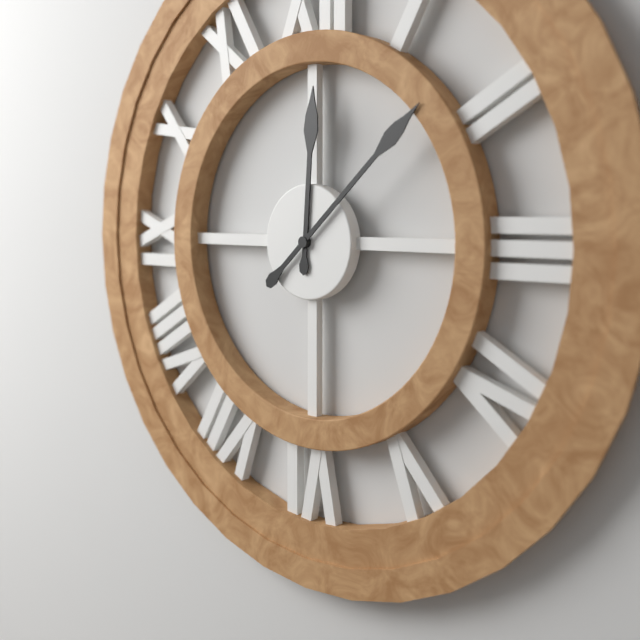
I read **12:08**
